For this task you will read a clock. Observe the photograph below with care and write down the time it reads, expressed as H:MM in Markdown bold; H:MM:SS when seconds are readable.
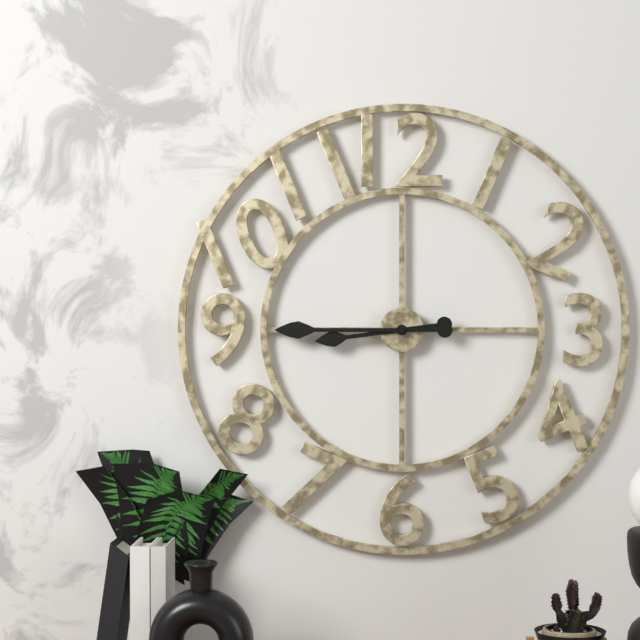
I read **8:45**
